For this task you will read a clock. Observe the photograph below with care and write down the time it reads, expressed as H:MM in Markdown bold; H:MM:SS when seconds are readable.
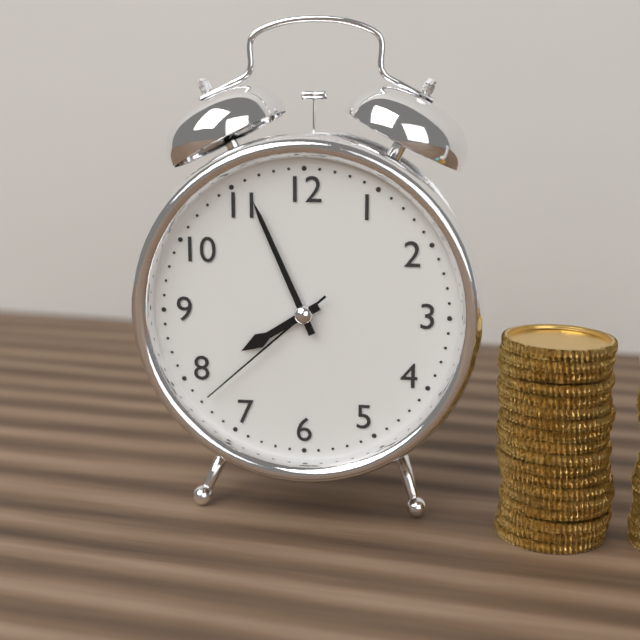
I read **7:56:38**
